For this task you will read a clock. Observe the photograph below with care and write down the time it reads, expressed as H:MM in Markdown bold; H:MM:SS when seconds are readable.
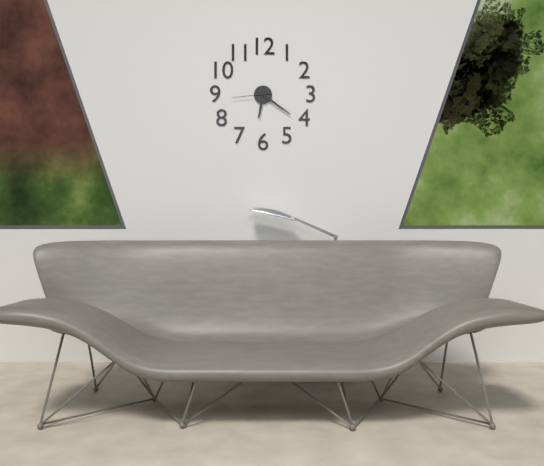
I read **6:21**
